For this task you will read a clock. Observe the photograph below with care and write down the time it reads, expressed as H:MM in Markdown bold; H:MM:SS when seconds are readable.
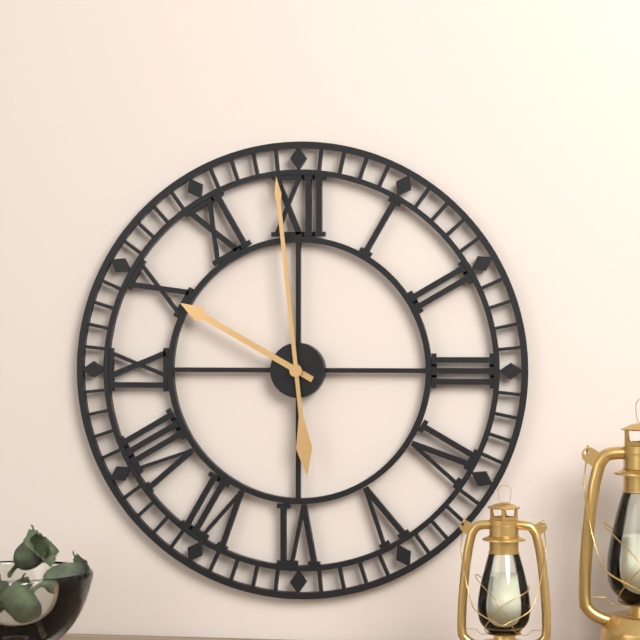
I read **9:59**
